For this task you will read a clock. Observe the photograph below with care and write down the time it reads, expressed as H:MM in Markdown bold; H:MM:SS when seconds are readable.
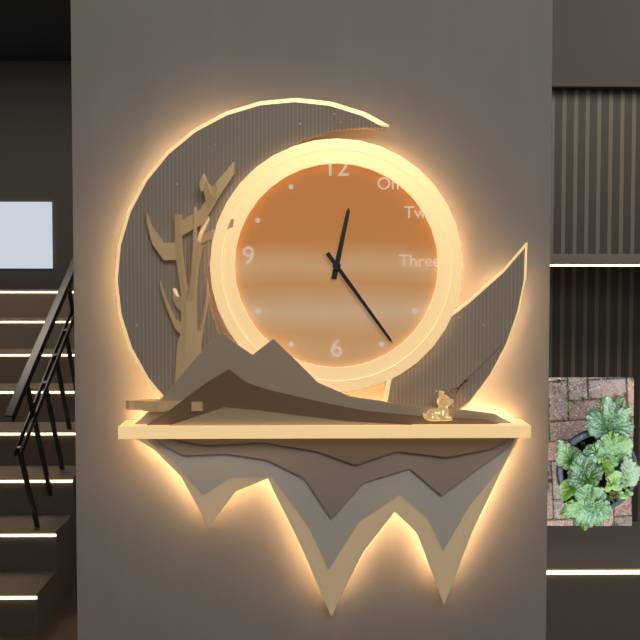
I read **12:24**
